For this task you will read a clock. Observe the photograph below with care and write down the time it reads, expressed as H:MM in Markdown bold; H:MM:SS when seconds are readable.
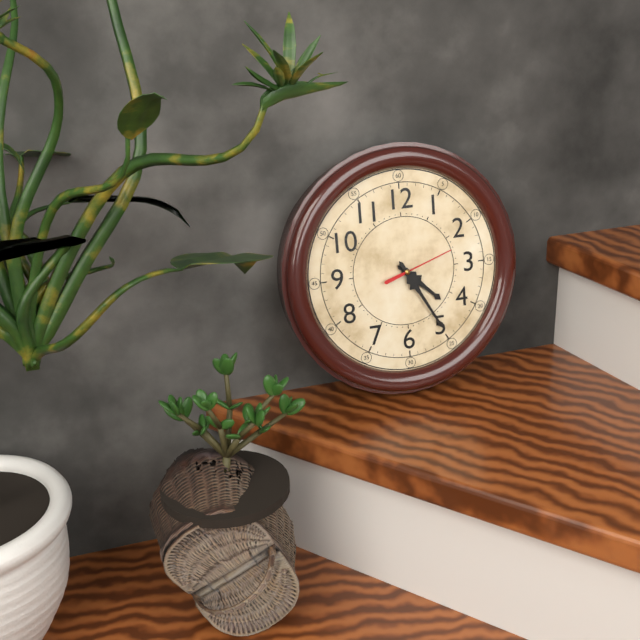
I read **4:25:12**
